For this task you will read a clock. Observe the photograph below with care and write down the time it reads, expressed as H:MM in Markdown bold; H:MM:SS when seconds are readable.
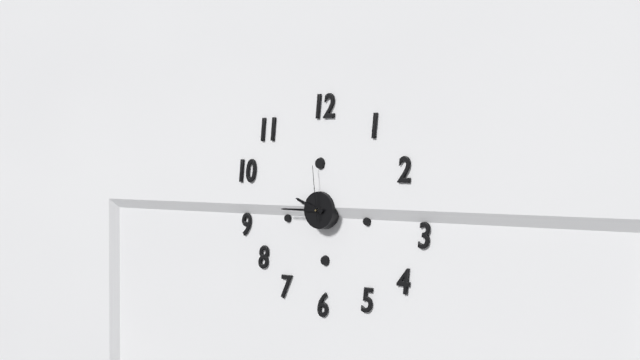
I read **9:45:59**
